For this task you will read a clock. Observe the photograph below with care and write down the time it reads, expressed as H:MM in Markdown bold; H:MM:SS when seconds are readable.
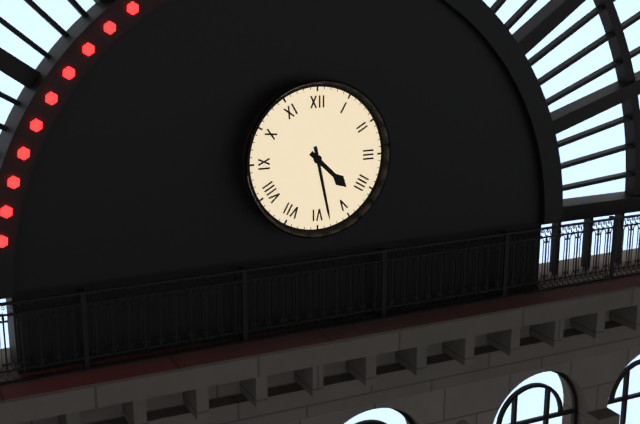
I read **4:28**
